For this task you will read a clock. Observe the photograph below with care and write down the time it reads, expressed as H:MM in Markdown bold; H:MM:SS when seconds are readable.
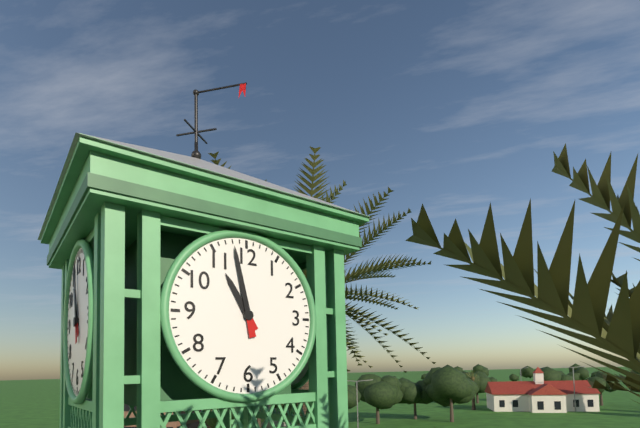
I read **10:58**
